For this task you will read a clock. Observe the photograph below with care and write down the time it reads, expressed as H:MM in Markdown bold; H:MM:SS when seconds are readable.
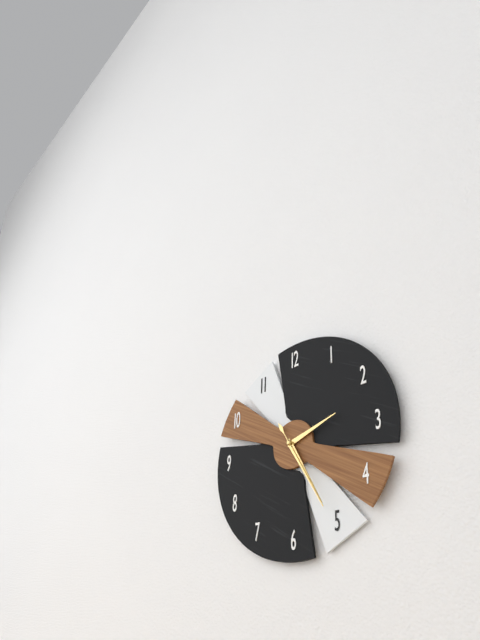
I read **2:25:25**
